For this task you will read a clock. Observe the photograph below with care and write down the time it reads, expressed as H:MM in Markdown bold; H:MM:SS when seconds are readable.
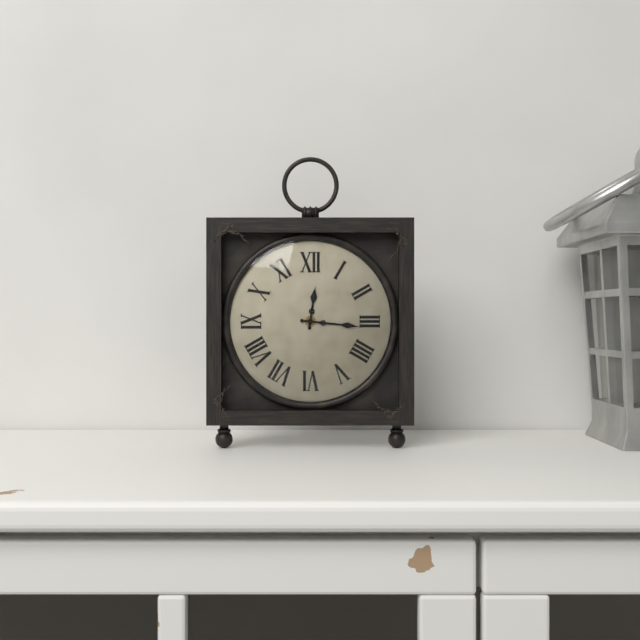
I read **12:16**
